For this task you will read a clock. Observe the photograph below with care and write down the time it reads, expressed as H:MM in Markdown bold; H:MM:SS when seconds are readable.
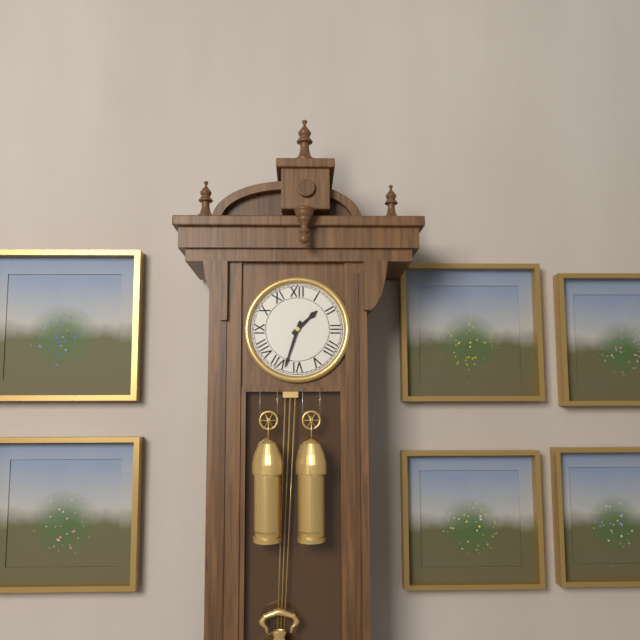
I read **1:33**
